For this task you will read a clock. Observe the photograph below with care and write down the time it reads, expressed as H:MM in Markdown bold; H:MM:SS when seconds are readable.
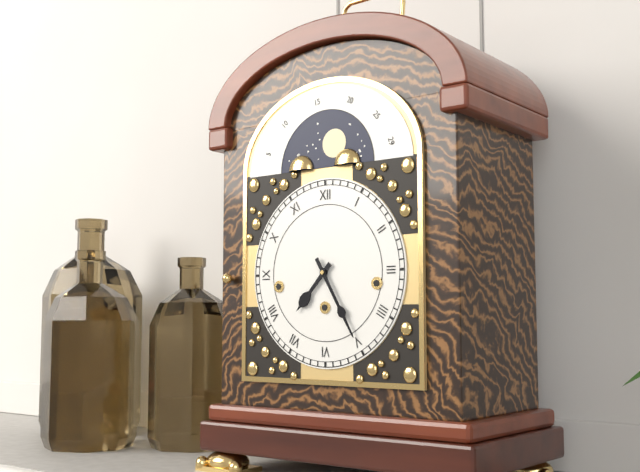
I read **7:25**
